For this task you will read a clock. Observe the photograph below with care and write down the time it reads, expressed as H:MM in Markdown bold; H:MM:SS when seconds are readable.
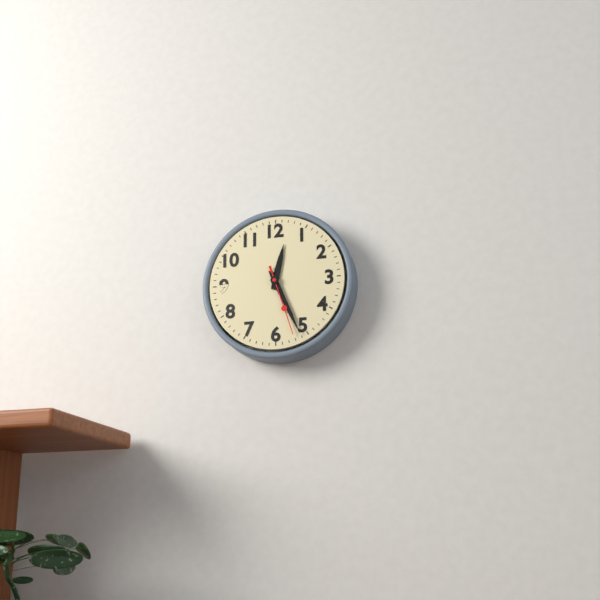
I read **12:26:27**
